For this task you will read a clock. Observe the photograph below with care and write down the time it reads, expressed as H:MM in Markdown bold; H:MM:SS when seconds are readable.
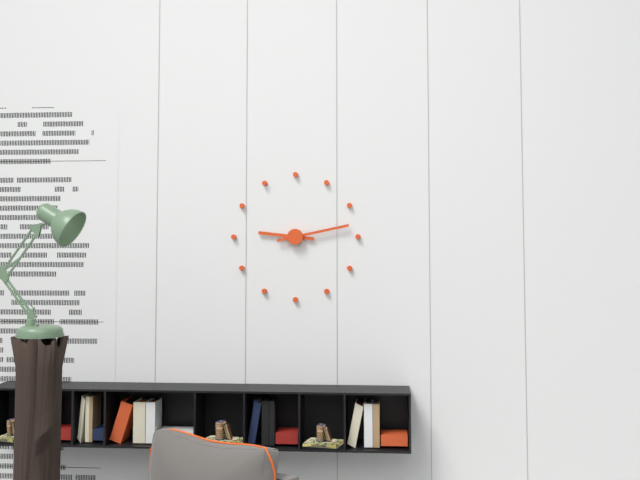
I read **9:13**
